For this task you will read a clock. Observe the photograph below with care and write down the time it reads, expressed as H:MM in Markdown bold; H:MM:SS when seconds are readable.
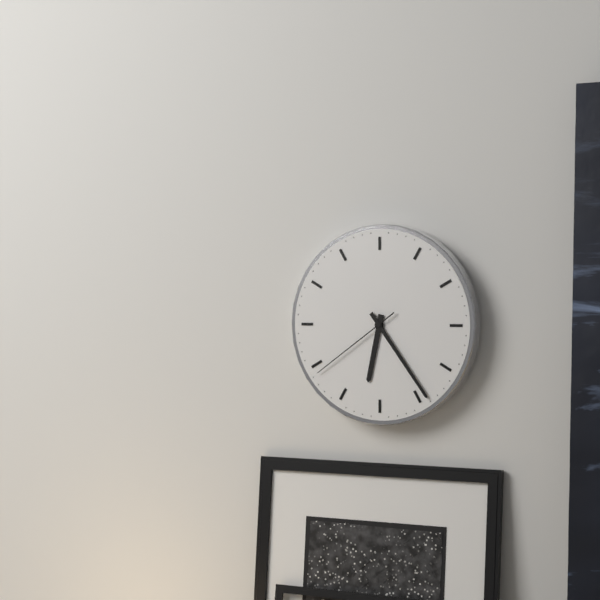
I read **6:24:39**
